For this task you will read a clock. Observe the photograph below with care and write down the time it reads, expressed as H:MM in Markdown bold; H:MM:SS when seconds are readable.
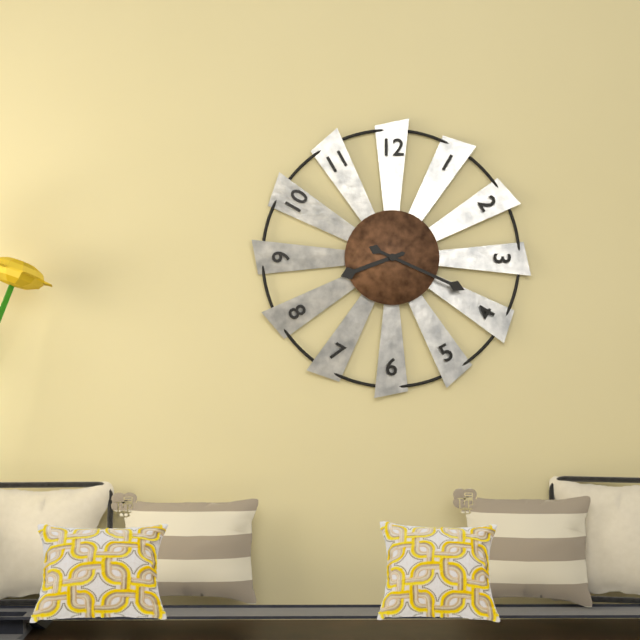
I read **8:19**
